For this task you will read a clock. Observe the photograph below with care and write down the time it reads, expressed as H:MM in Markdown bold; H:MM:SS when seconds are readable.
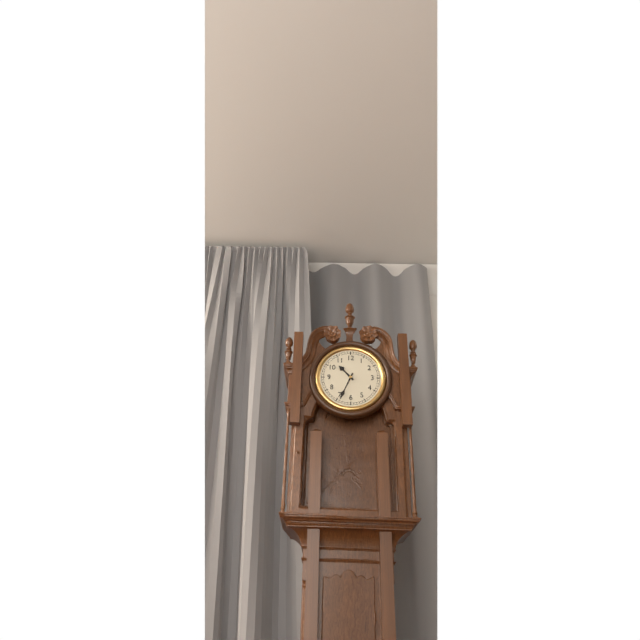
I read **10:34**
